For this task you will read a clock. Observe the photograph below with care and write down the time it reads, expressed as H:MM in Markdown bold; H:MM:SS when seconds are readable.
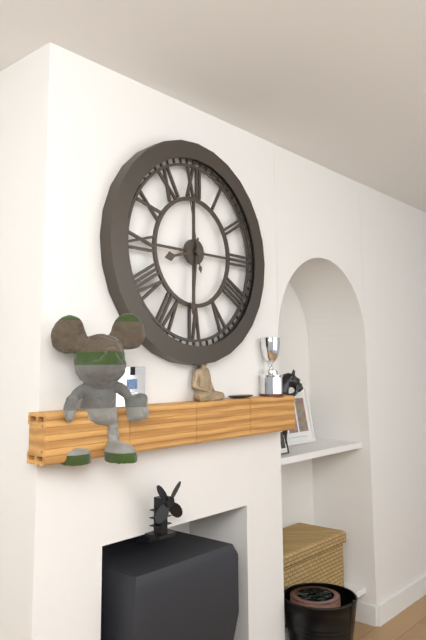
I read **8:31:58**
